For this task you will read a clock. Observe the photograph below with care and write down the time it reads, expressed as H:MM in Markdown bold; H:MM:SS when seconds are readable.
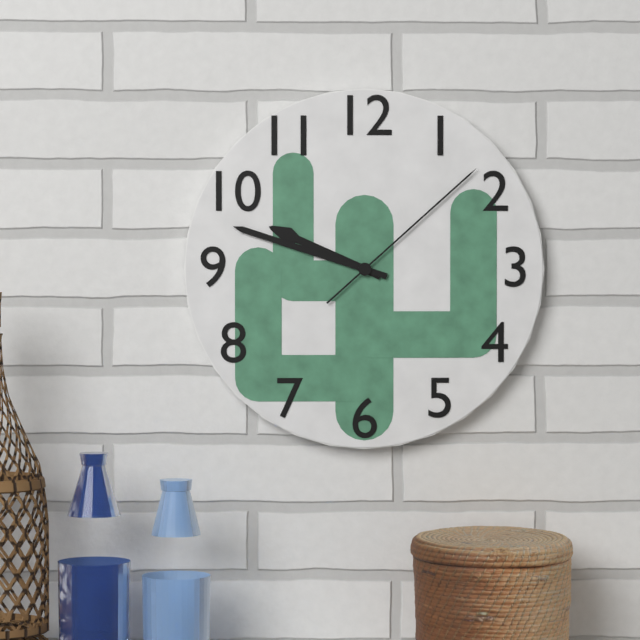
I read **9:48:08**
